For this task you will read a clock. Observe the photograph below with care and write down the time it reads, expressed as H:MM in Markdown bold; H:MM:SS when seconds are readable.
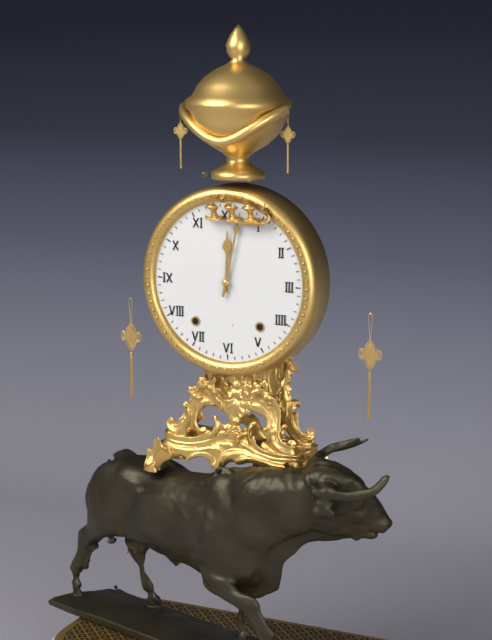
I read **12:02**
